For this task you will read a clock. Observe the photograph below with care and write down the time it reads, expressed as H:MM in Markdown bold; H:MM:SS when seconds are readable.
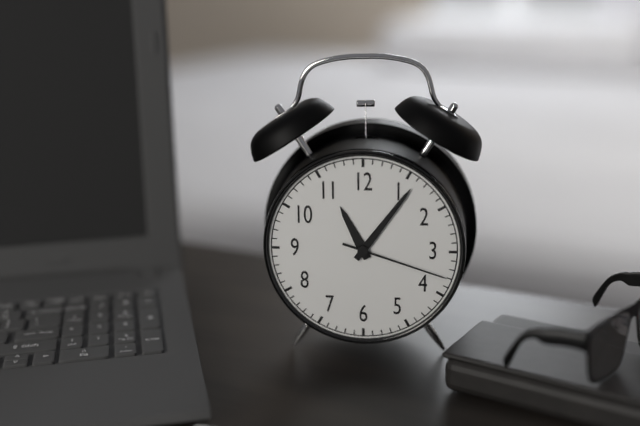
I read **11:06:18**
